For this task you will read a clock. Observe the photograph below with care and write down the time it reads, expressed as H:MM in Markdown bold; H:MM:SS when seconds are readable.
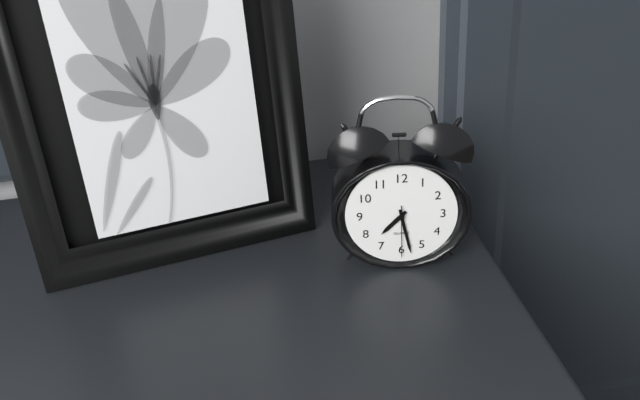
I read **7:28:30**
